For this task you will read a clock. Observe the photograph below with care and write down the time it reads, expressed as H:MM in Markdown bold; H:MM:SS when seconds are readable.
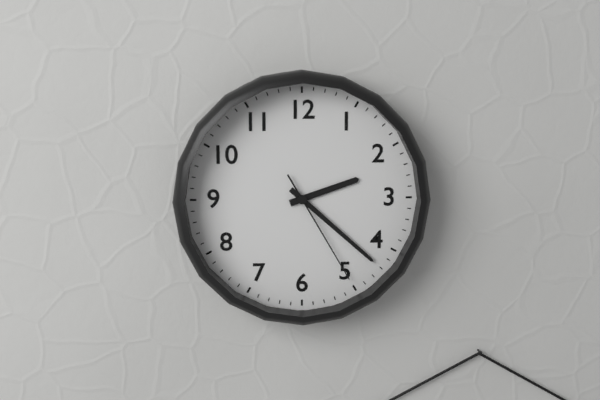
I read **2:22:25**
